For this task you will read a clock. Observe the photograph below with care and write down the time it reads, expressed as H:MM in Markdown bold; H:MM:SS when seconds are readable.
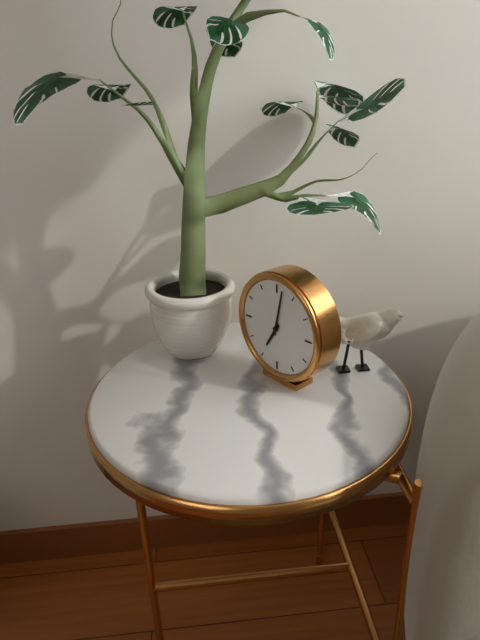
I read **7:02**
